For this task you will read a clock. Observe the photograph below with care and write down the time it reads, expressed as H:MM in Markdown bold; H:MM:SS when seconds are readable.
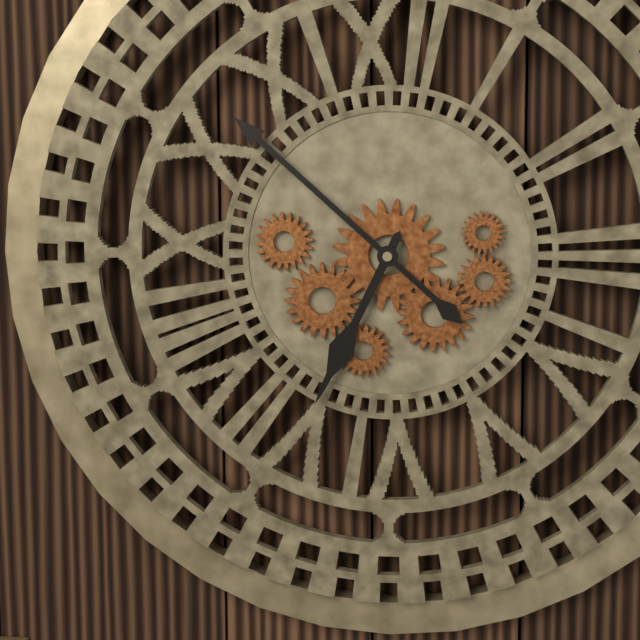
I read **6:52**
